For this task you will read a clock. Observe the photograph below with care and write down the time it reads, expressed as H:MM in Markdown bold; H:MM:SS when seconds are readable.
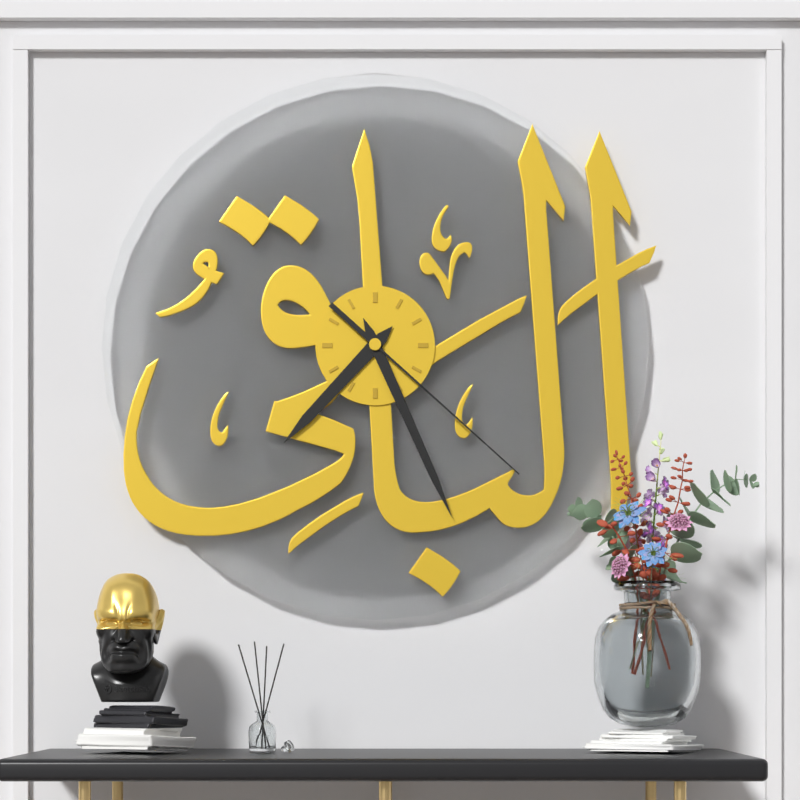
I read **7:26:22**
